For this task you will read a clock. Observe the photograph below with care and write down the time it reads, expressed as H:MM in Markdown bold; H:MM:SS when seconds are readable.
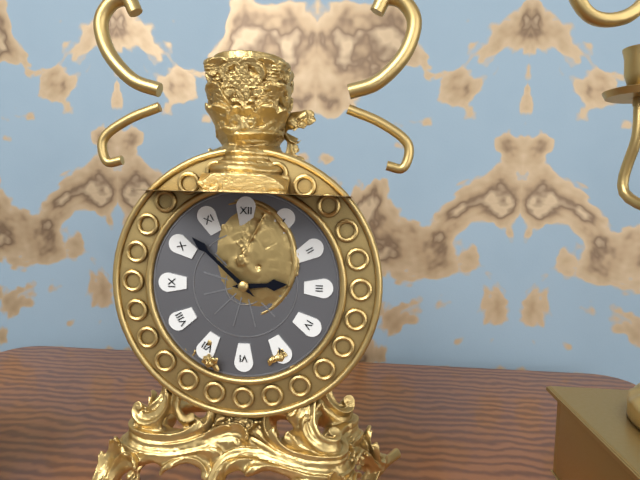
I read **2:52**
